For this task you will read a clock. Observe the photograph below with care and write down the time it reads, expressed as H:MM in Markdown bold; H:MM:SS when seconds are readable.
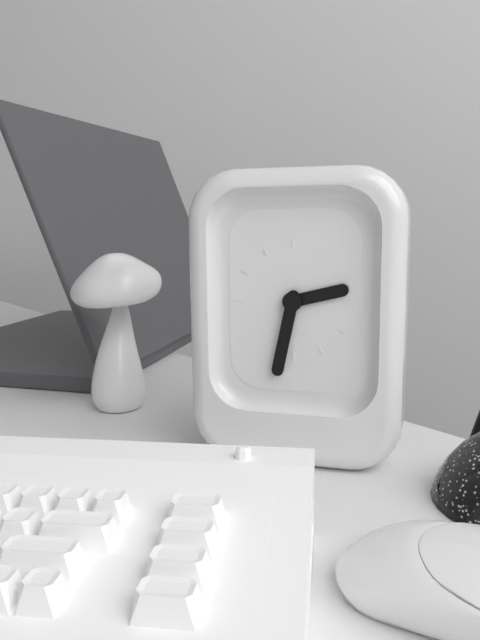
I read **2:32**
